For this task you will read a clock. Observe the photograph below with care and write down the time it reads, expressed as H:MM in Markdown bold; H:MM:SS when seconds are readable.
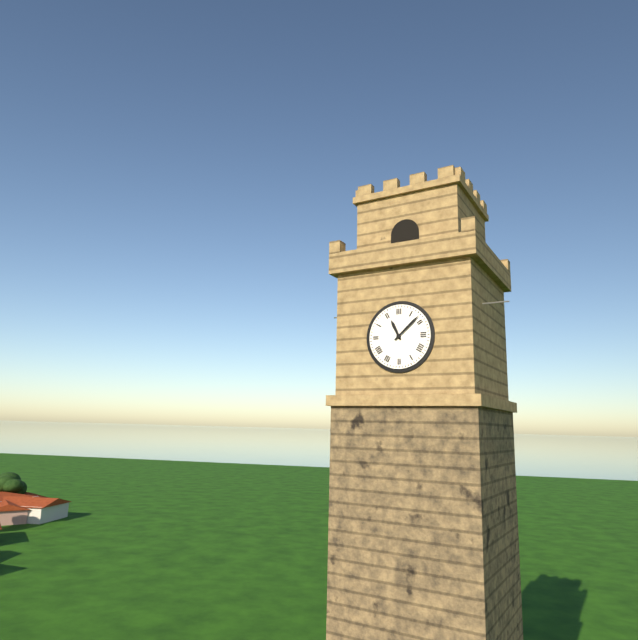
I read **11:08**
